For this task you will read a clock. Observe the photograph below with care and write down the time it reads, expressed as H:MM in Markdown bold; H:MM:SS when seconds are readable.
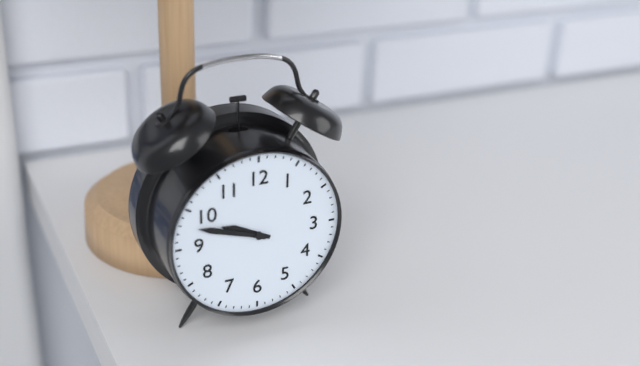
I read **9:48**
